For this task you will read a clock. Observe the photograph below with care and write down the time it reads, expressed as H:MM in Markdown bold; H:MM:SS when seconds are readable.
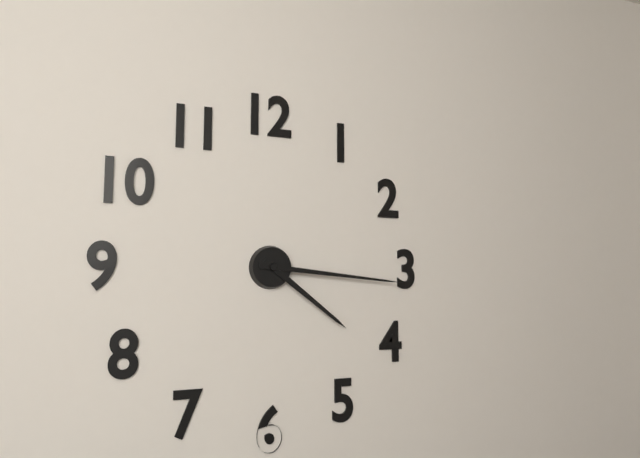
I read **4:16**
